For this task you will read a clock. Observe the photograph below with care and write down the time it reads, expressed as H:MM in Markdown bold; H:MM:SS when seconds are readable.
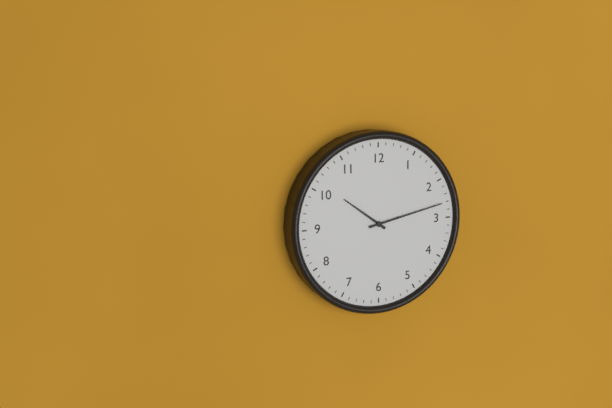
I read **10:13**
